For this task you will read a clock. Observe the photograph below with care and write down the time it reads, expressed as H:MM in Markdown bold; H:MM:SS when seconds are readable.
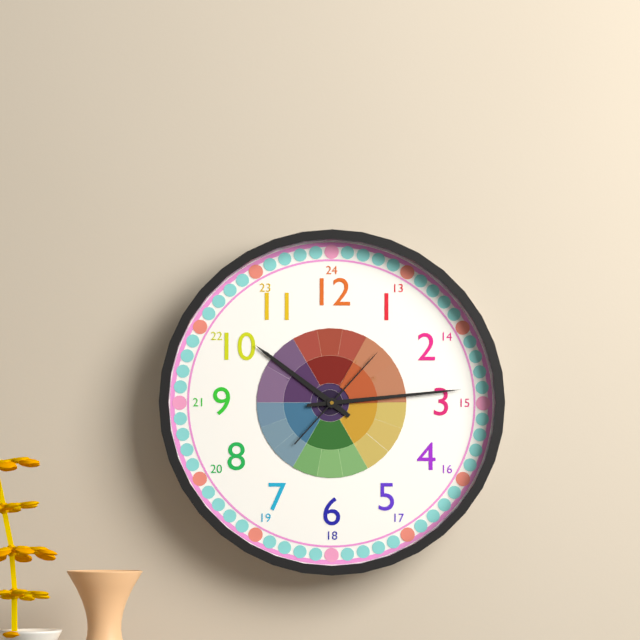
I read **10:14:07**
